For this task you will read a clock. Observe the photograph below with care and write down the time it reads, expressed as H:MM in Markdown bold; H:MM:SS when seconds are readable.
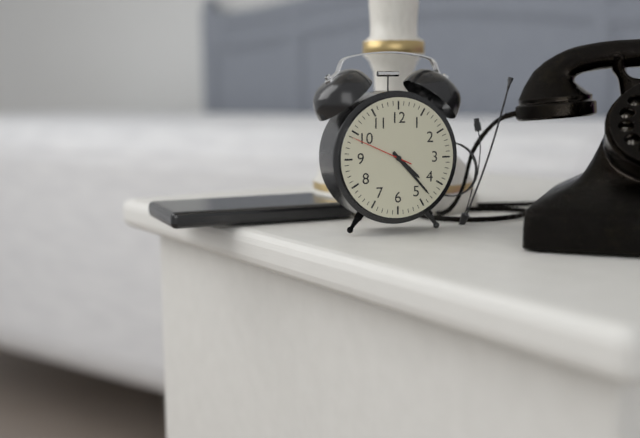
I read **4:23:49**
